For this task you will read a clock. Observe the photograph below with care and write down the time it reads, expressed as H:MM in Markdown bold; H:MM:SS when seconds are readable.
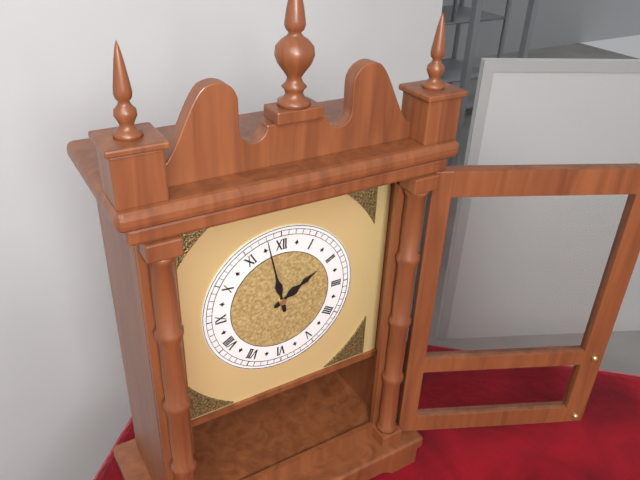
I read **1:58**
